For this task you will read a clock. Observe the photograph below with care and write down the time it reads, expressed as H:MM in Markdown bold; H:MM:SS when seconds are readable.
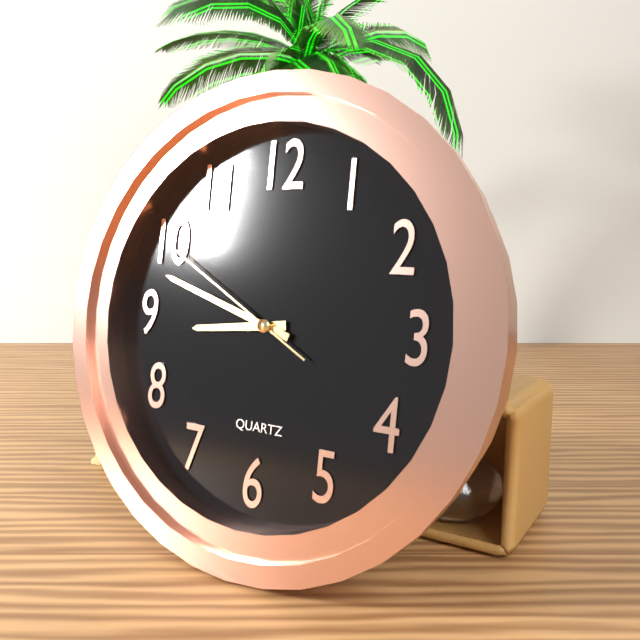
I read **8:48:50**
